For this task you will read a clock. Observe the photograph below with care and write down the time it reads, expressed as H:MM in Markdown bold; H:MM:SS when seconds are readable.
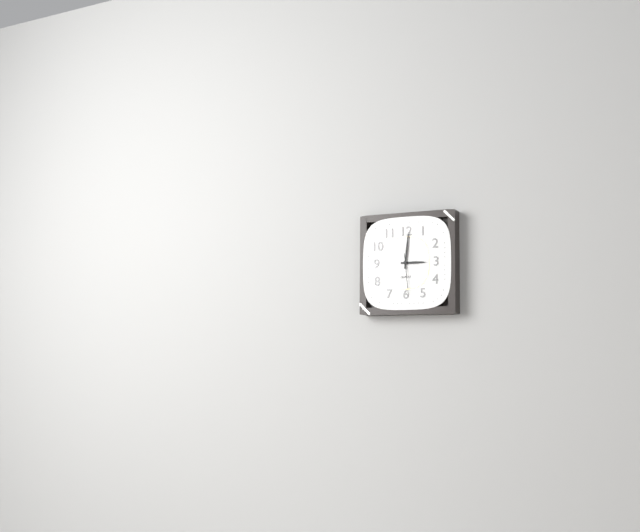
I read **3:01**
